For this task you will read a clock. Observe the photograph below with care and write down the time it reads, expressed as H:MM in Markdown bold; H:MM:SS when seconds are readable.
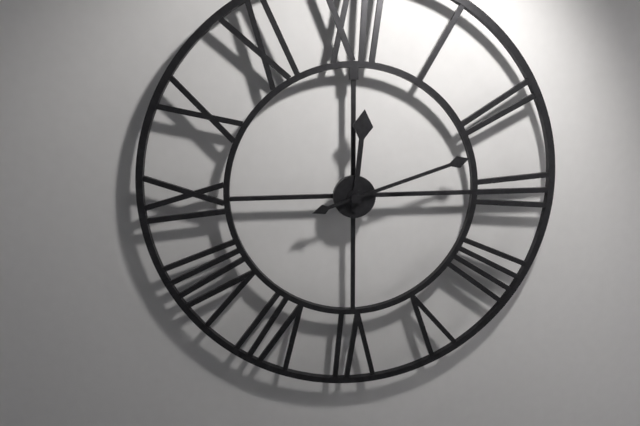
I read **12:12**
